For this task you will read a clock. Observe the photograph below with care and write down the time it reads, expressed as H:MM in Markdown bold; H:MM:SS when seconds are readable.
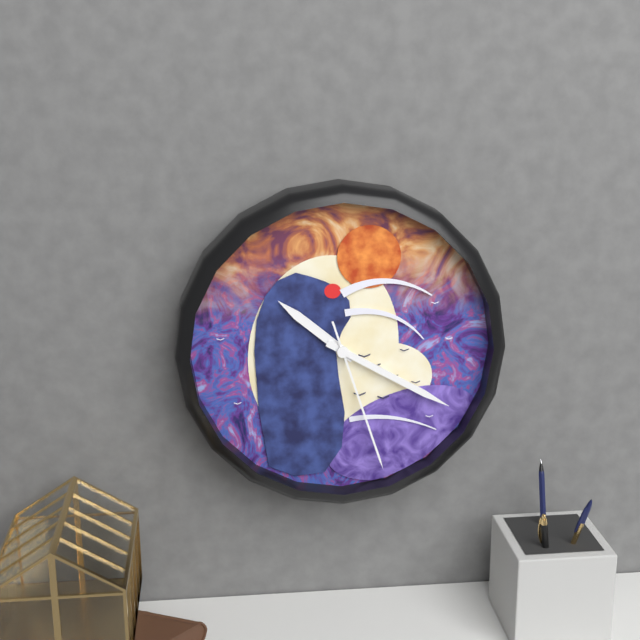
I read **10:20:27**
